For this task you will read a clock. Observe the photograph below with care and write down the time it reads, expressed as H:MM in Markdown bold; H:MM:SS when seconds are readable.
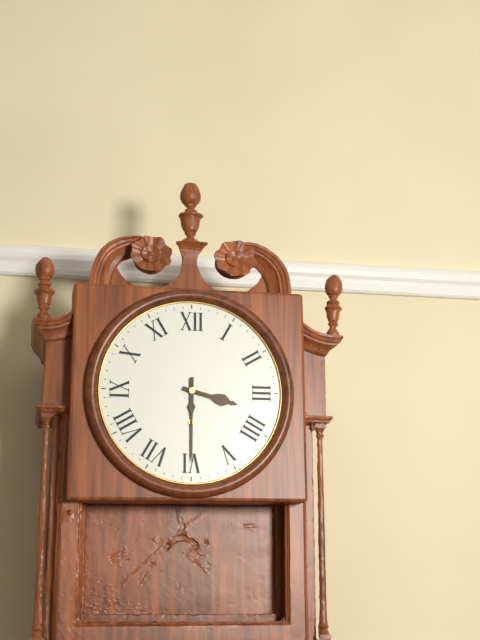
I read **3:30**
